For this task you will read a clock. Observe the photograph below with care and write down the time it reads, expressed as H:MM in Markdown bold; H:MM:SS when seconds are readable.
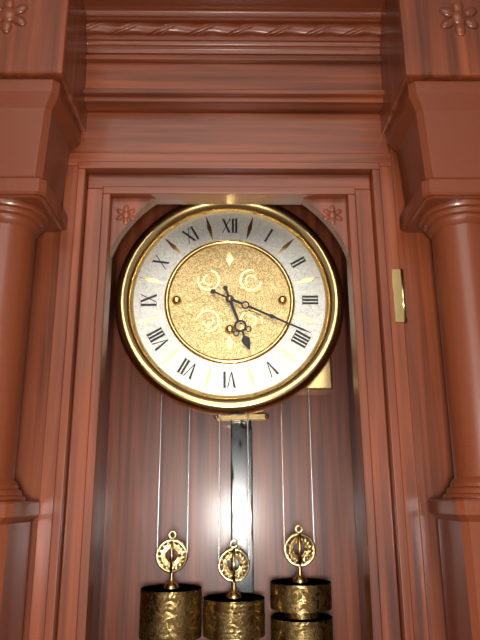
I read **5:19**
